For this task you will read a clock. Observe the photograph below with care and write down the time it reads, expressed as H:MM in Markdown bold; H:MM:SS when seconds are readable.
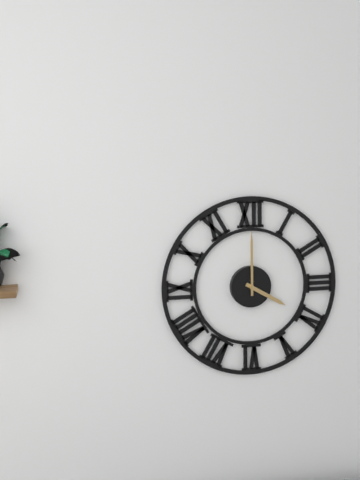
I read **4:00**
